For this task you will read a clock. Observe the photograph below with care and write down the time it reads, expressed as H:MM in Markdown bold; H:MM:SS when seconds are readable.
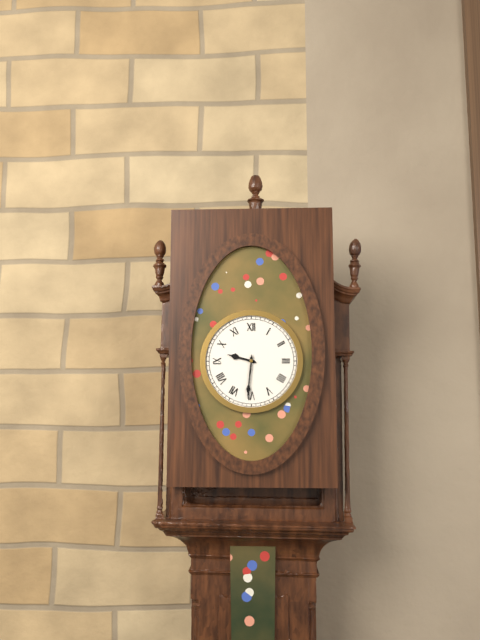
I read **9:31**
